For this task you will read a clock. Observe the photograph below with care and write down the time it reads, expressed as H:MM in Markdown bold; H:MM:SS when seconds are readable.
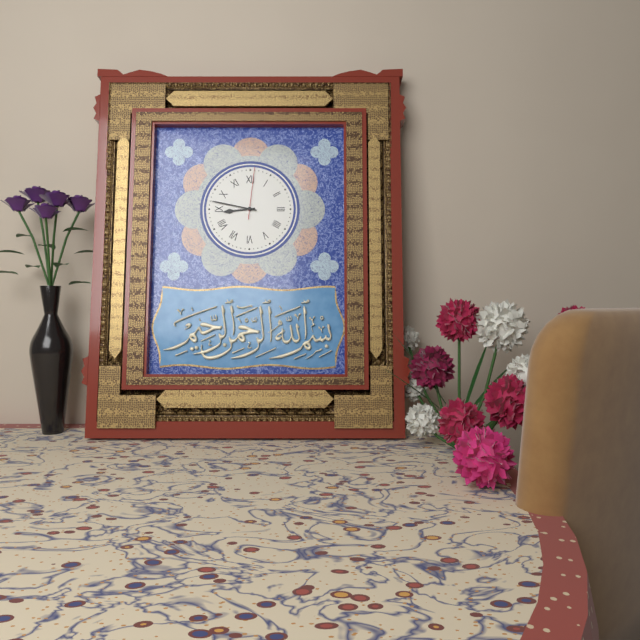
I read **8:47:01**
